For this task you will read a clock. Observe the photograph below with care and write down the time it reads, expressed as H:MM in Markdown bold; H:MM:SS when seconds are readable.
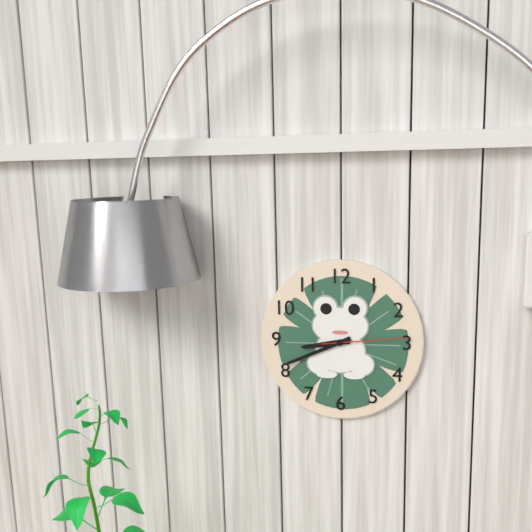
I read **8:41:14**
